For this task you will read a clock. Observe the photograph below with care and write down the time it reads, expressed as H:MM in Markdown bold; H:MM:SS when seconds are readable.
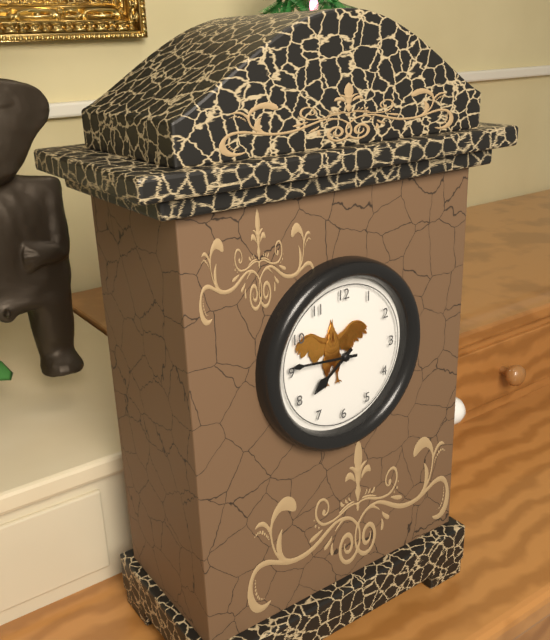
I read **7:46**
